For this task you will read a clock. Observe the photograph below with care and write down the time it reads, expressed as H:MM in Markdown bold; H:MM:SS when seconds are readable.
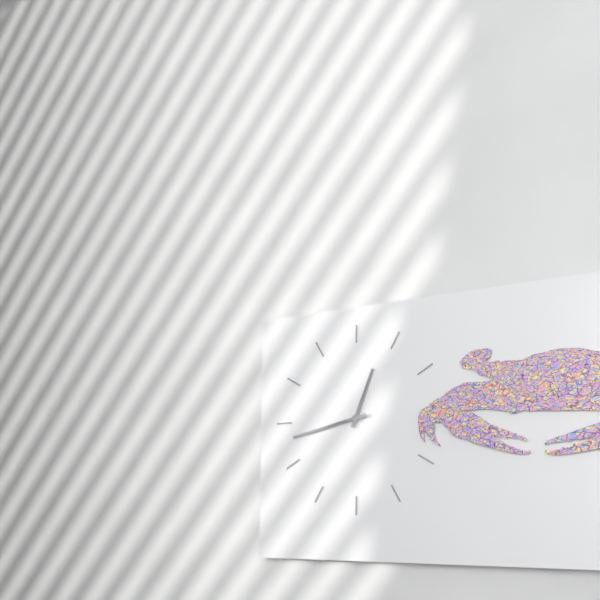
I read **12:43**
